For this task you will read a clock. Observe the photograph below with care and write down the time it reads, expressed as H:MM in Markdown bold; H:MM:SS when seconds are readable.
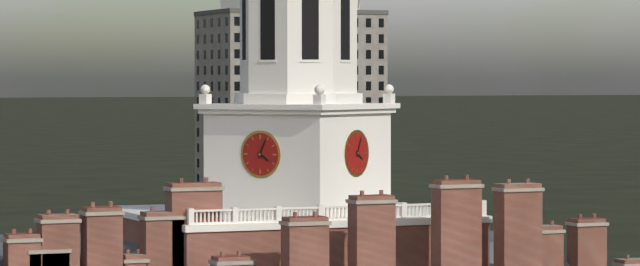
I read **4:04**
